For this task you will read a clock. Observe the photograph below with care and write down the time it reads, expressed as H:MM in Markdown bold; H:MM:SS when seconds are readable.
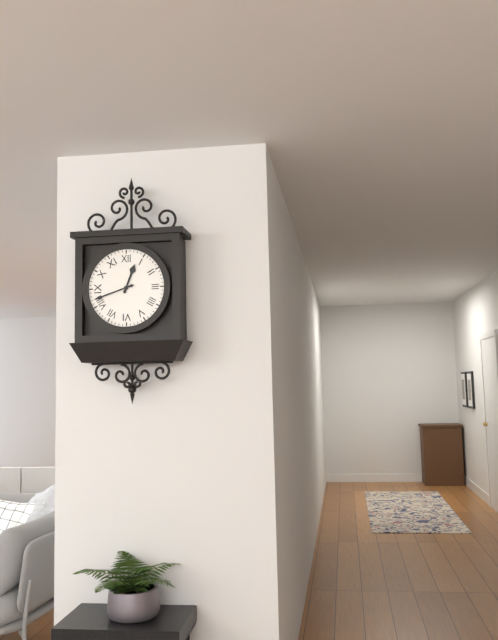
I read **12:42**
